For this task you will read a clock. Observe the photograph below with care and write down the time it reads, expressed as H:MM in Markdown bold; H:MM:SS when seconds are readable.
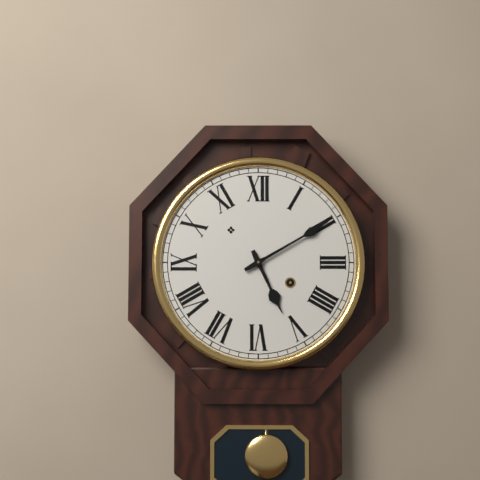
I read **5:10**
